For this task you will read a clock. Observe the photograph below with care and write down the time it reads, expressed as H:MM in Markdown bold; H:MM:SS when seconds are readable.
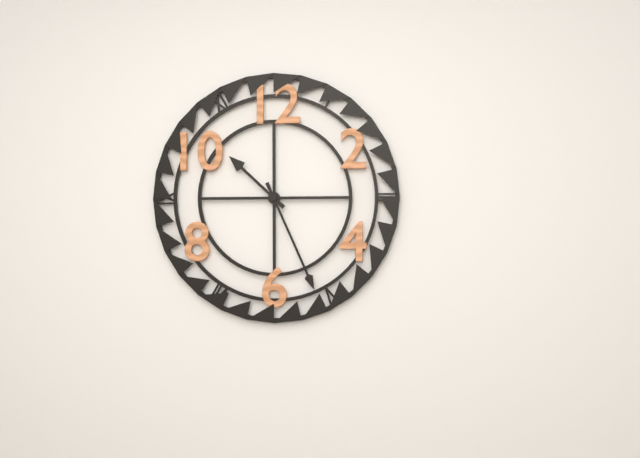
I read **10:26**
